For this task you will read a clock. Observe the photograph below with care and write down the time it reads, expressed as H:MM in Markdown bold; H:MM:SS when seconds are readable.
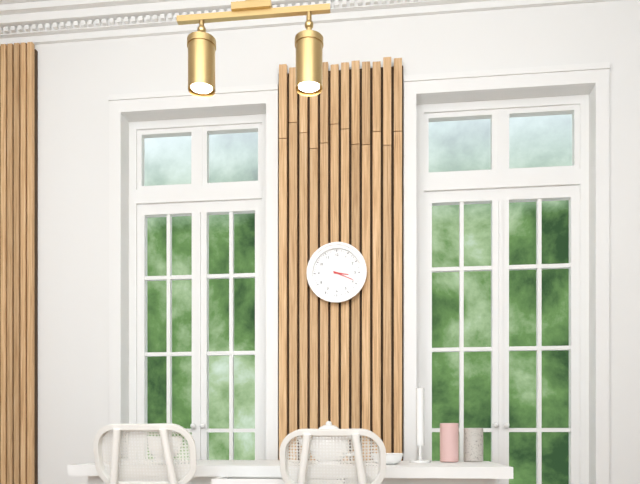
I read **3:19**
